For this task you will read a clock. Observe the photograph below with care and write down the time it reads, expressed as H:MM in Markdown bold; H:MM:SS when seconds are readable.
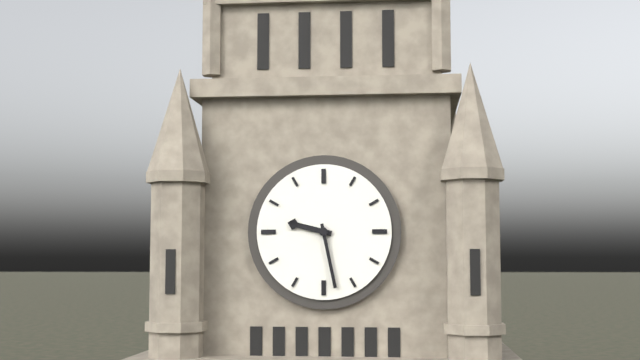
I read **9:28**
